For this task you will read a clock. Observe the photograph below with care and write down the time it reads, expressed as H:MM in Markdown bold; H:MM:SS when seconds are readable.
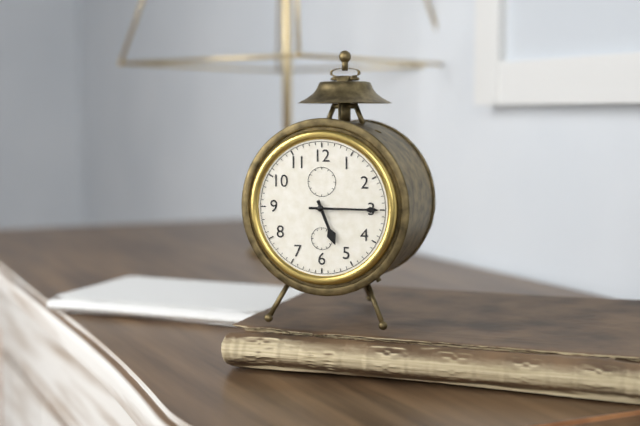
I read **5:15**
